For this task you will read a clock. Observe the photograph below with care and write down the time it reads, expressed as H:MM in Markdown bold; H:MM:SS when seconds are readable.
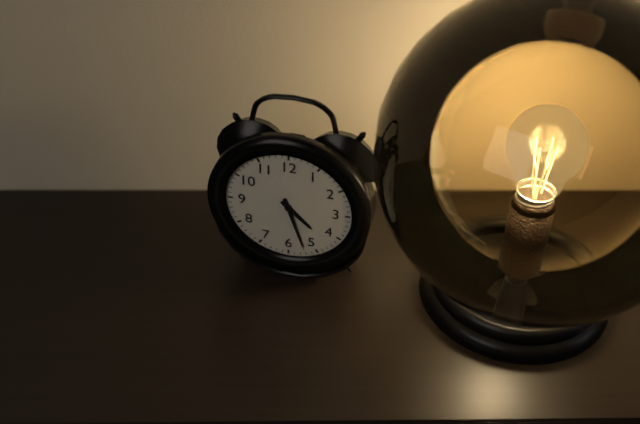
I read **4:27**
